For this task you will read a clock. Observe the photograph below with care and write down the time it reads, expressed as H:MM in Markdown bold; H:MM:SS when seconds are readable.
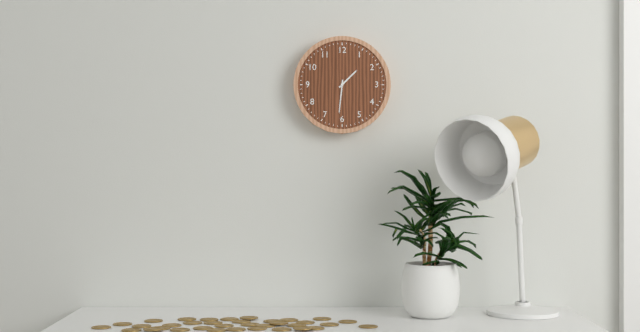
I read **1:31**
